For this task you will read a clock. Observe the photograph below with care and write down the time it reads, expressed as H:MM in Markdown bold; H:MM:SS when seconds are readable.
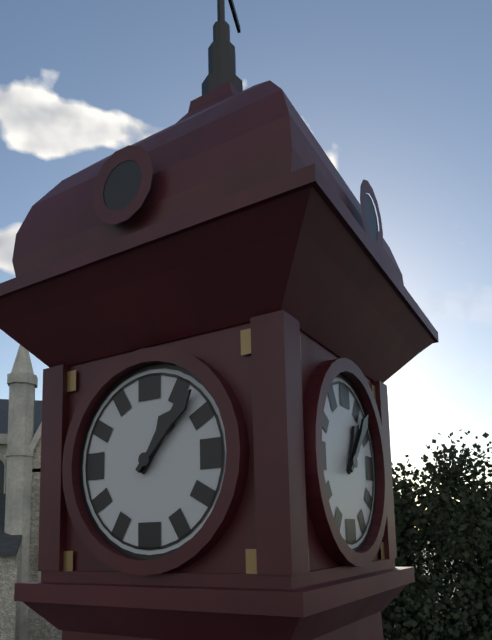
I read **1:07**
